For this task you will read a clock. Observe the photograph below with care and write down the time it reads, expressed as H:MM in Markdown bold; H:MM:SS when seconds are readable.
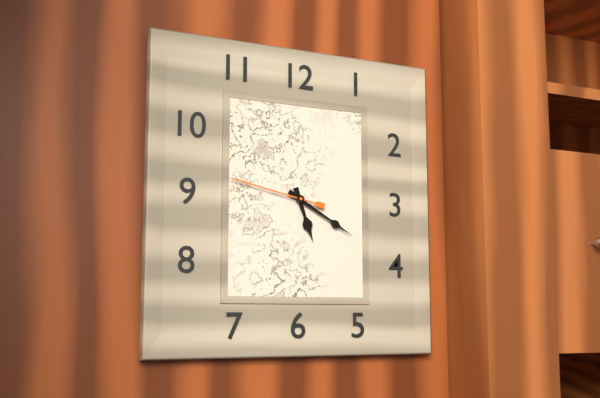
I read **5:20:47**
